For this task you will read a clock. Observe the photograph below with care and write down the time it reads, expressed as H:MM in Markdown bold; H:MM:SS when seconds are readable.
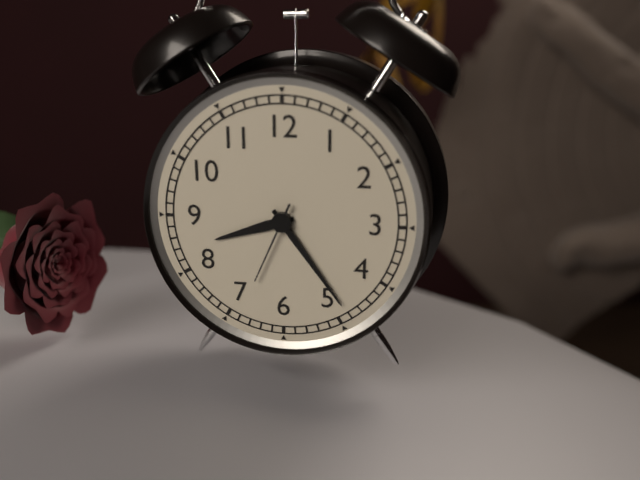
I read **8:24:34**
